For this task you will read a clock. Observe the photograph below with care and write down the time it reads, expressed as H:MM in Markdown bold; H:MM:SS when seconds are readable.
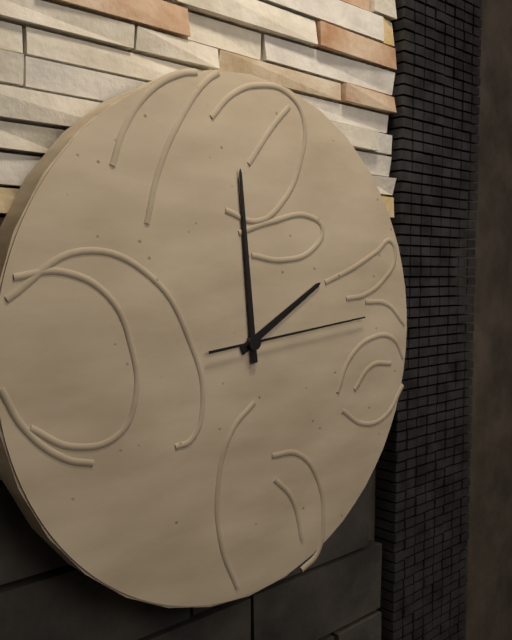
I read **1:59:14**
